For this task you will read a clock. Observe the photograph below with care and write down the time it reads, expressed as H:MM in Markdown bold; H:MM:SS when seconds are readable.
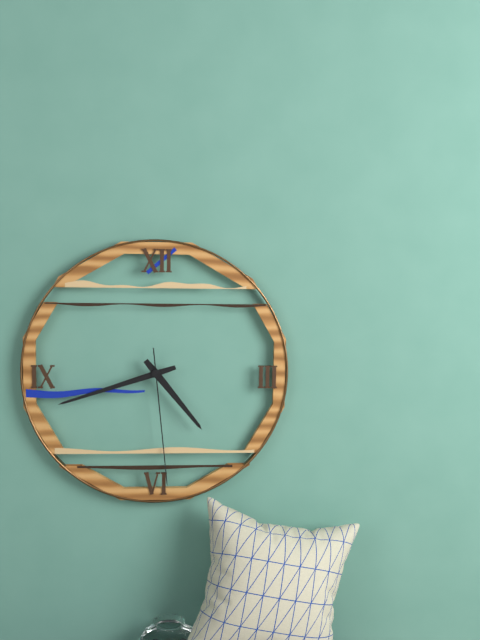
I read **4:42:29**
